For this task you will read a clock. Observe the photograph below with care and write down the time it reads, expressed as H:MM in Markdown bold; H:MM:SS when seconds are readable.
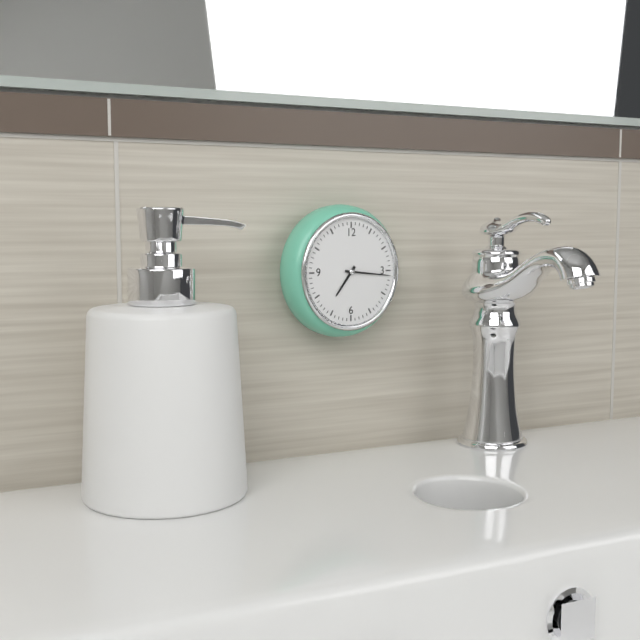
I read **7:16**
